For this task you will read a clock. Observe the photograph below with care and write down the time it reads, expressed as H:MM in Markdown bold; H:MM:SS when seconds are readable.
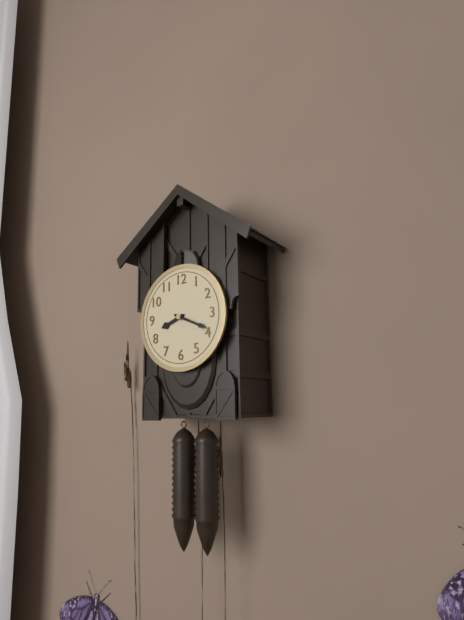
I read **8:19**
